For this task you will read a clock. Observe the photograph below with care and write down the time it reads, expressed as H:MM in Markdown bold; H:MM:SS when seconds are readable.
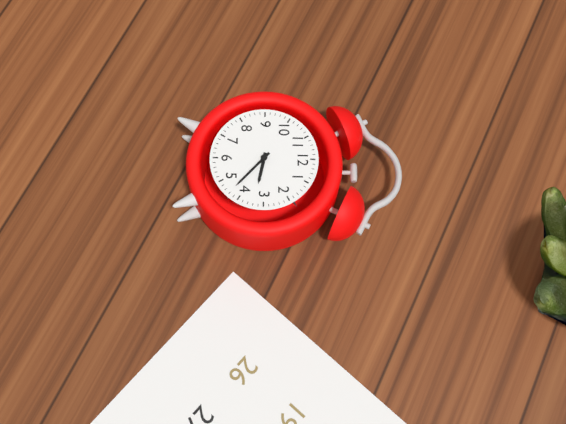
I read **3:22**
